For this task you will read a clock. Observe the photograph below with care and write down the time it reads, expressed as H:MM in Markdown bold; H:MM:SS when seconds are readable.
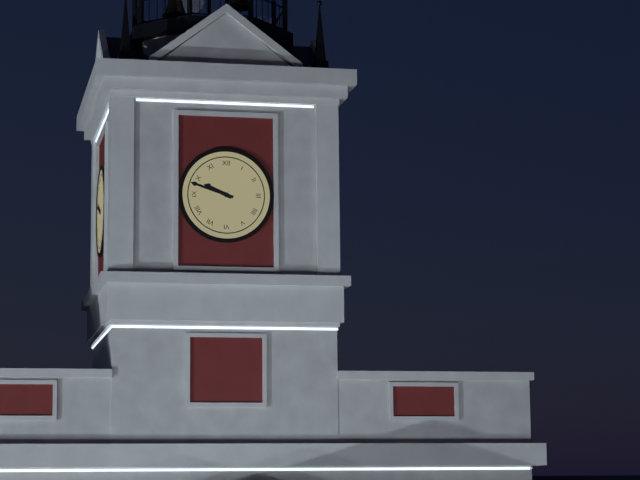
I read **9:48**
